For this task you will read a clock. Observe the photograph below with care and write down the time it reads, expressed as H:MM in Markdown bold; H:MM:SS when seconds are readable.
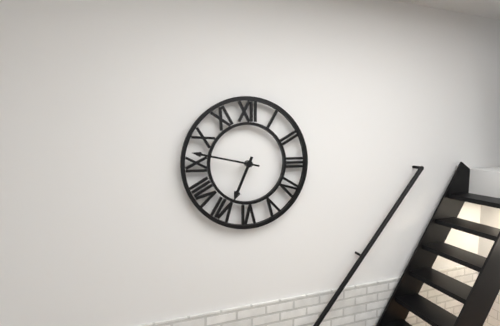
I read **6:47**
